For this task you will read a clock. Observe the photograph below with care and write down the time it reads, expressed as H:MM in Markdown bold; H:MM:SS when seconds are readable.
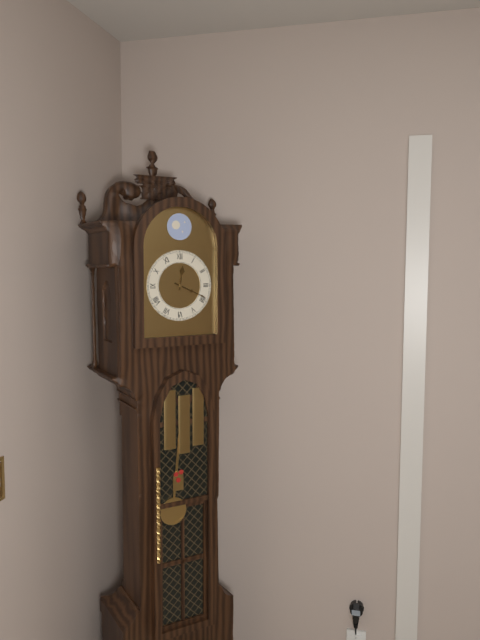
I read **12:19**
